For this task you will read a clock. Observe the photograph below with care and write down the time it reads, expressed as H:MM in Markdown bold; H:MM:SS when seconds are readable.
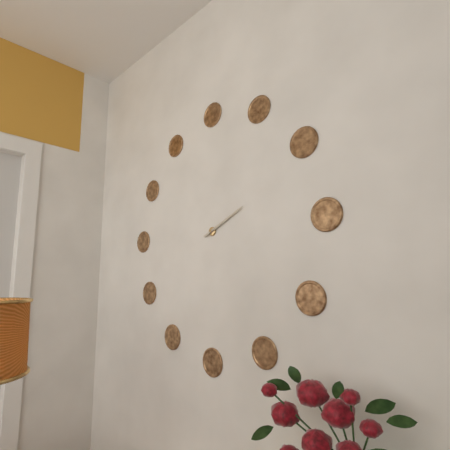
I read **2:11**
